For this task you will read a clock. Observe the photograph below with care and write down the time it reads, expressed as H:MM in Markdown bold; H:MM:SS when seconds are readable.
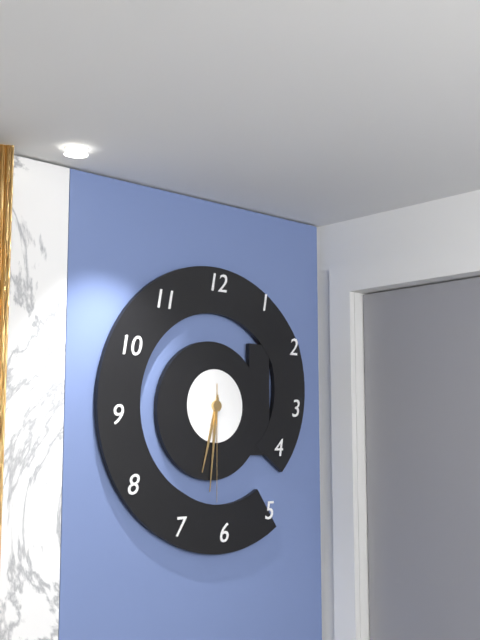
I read **6:31:30**
